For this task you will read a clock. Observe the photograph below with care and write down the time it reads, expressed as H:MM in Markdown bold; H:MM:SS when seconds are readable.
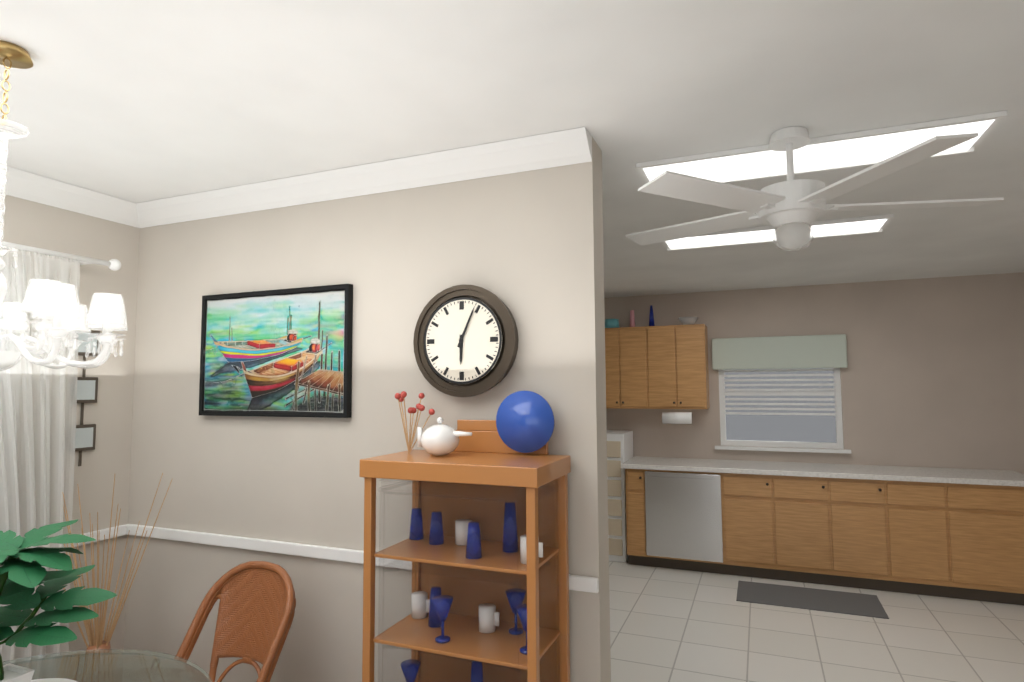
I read **6:04**
